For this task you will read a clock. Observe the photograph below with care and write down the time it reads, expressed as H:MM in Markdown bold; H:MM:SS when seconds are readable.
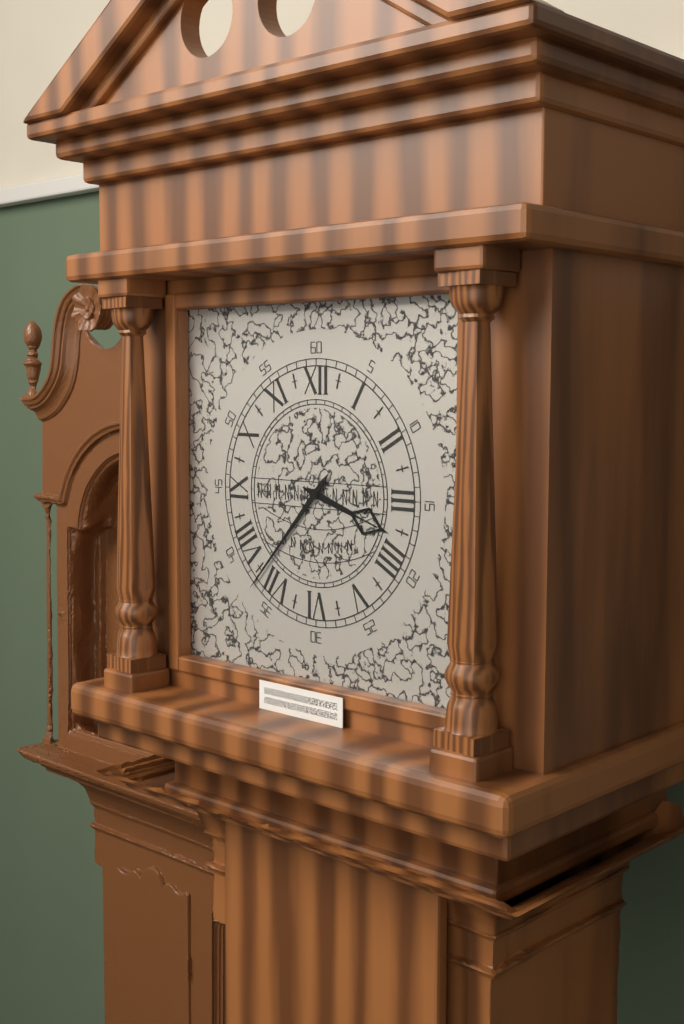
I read **3:37**
